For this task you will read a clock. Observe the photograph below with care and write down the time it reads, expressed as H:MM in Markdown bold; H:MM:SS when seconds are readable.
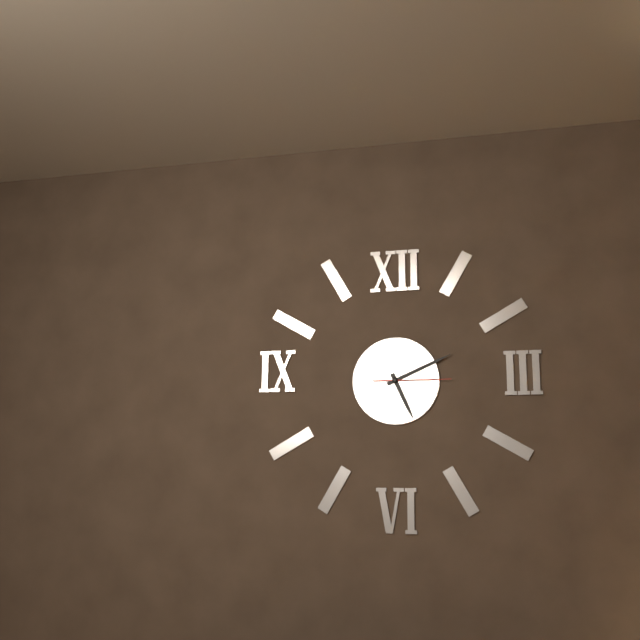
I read **5:11:15**
